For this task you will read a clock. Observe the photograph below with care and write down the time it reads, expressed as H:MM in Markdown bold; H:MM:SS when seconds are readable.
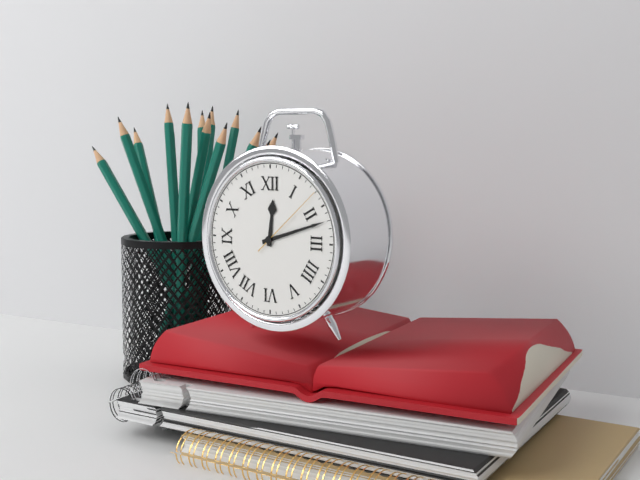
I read **12:12:08**
